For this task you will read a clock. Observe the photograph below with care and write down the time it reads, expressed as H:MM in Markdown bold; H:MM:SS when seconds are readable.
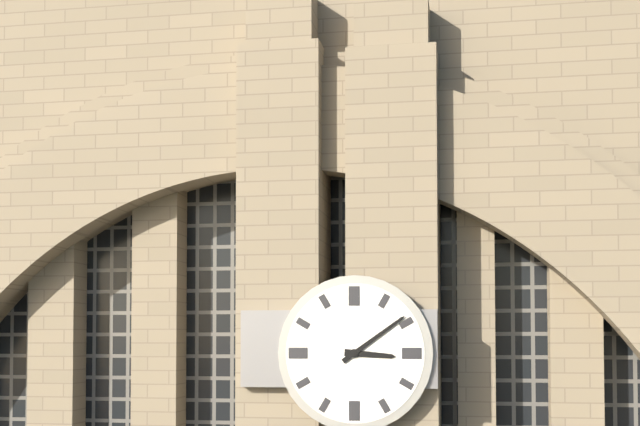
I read **3:09**
